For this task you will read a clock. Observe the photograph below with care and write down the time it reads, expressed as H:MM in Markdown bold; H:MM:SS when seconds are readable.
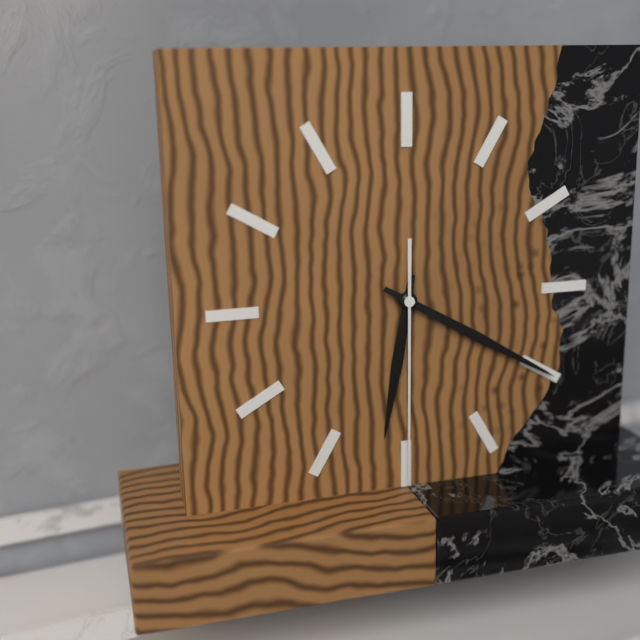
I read **6:20:30**
